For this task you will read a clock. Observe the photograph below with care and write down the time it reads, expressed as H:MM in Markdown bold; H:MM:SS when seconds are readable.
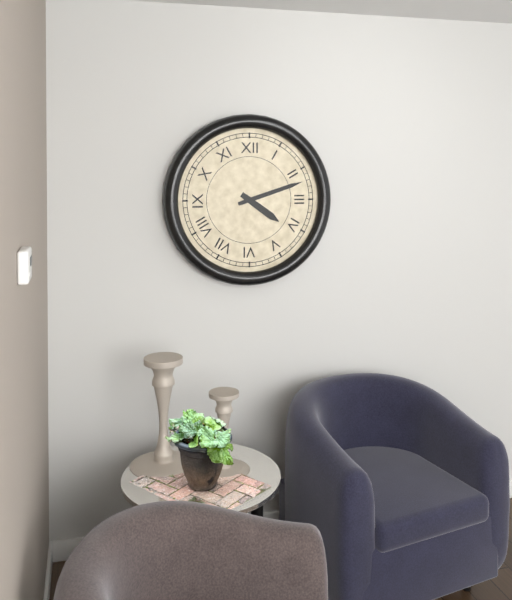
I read **4:12**
